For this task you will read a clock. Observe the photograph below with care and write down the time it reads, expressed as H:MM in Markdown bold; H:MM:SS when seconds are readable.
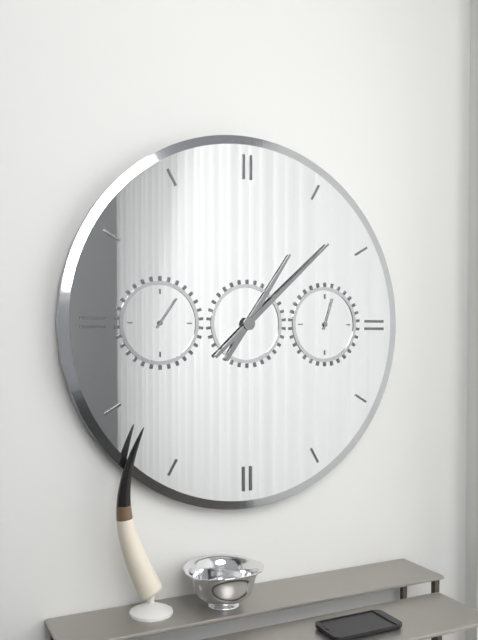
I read **1:08**
